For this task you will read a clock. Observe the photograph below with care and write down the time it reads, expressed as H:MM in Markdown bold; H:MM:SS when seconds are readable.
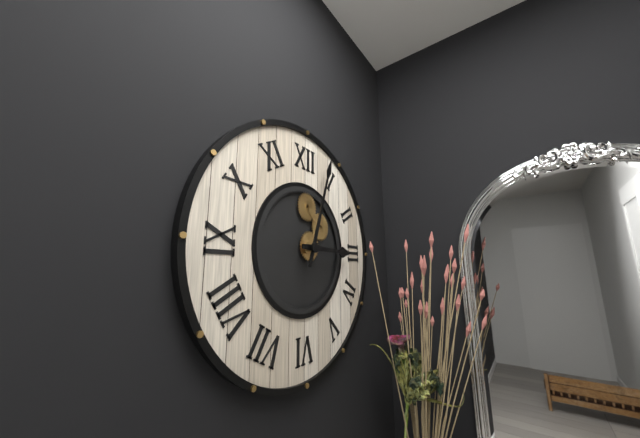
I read **3:03**
